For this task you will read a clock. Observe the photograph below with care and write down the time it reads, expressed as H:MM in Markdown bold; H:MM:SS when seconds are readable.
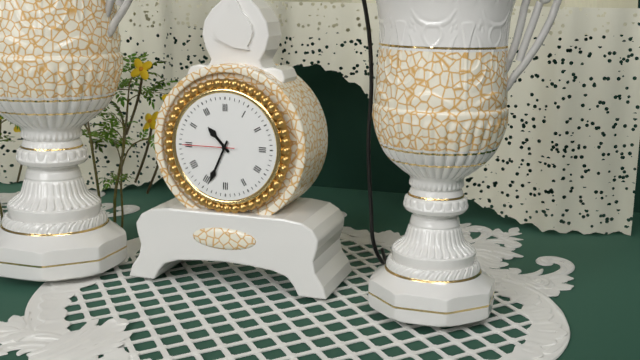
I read **10:34:45**
